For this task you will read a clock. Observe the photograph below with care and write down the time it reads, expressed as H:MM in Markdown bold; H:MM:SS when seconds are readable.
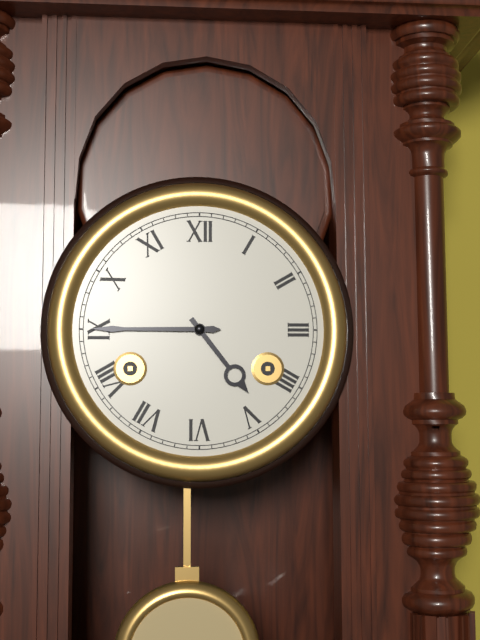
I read **4:45**
